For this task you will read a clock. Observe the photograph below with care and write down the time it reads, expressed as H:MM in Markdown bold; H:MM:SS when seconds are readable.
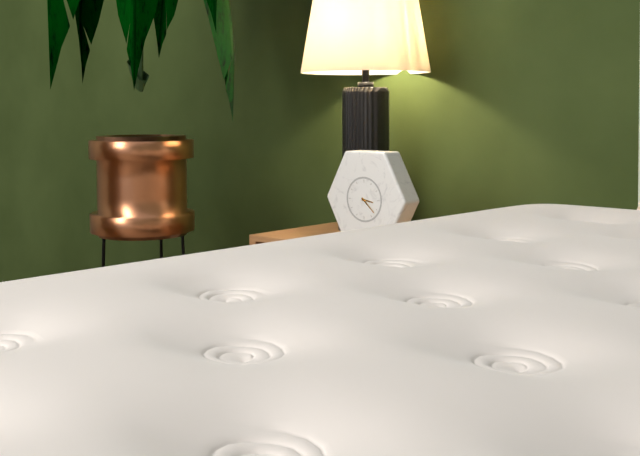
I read **3:22**
